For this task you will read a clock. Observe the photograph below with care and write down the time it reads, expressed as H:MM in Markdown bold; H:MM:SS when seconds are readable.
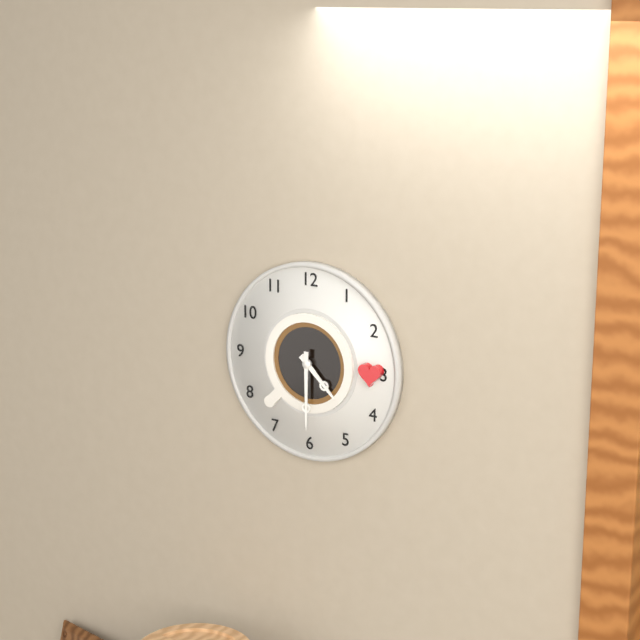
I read **4:30**
